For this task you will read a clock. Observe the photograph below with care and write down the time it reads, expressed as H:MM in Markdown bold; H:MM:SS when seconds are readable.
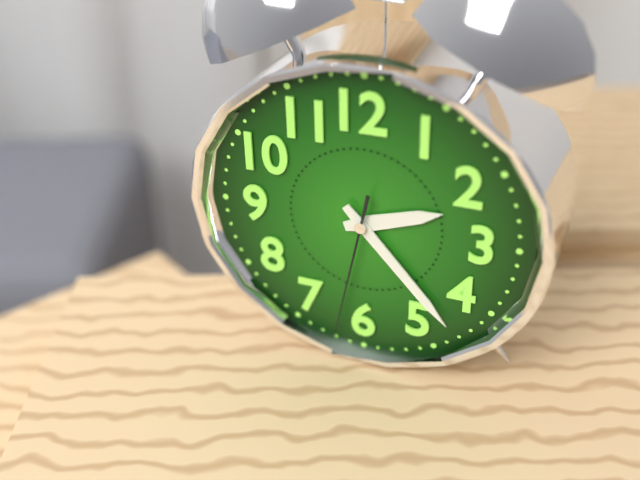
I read **2:23:32**
